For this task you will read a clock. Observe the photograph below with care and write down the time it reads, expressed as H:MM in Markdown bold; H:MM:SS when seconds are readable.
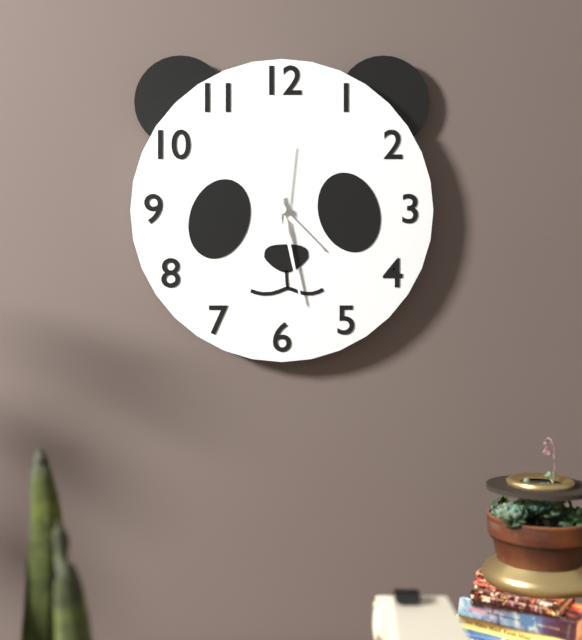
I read **4:28:01**
